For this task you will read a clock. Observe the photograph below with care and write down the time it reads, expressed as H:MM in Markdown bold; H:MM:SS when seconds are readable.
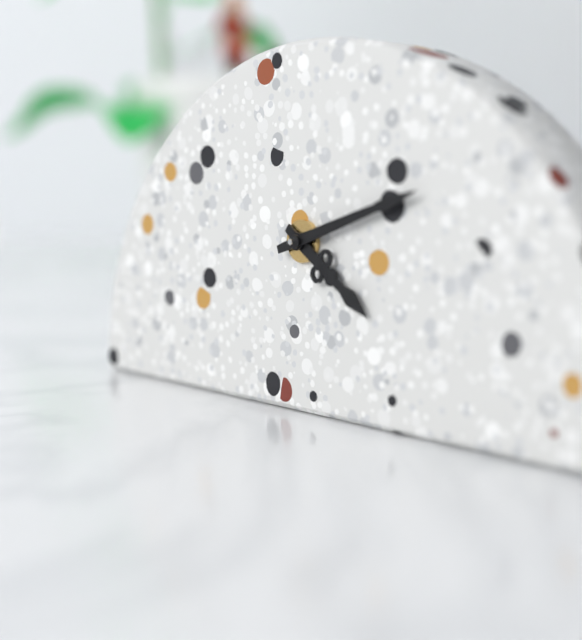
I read **4:12**
